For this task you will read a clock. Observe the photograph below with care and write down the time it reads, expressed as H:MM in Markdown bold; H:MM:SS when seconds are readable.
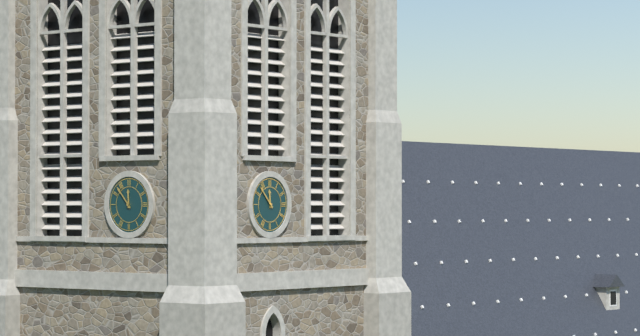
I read **11:53**
